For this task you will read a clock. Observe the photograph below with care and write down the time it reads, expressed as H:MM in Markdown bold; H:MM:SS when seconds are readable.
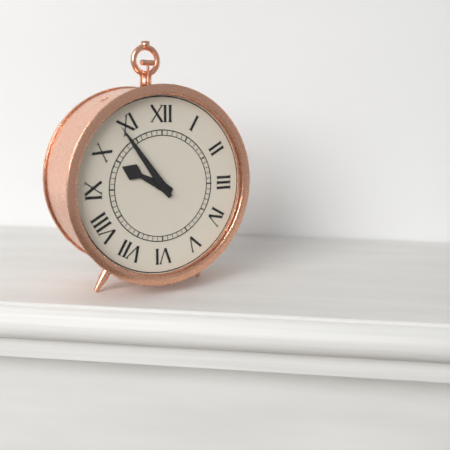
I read **9:54**
